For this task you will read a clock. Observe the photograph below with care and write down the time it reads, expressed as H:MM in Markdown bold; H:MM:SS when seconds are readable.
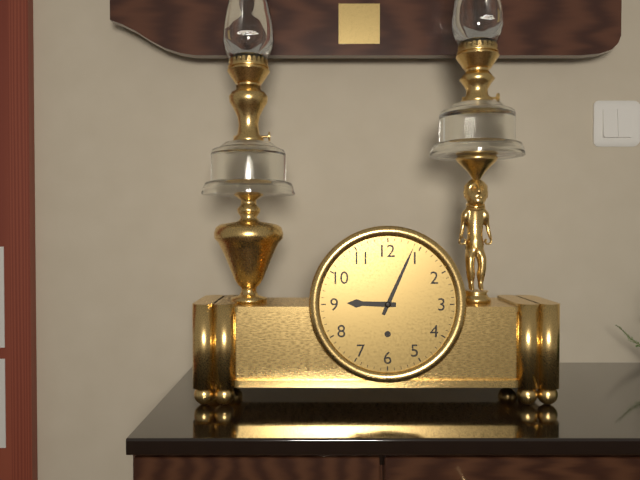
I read **9:04**
